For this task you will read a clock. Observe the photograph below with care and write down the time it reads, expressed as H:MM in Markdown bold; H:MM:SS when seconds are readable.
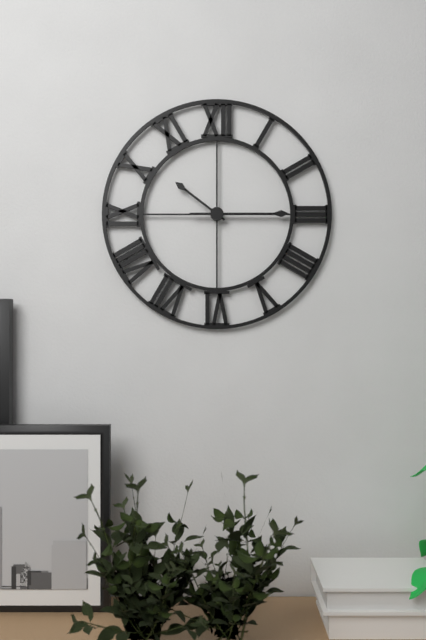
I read **10:15**
